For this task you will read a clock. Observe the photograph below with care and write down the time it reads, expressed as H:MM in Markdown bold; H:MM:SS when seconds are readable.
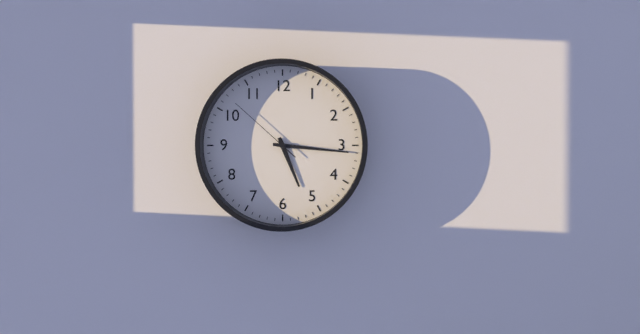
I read **5:16:52**
